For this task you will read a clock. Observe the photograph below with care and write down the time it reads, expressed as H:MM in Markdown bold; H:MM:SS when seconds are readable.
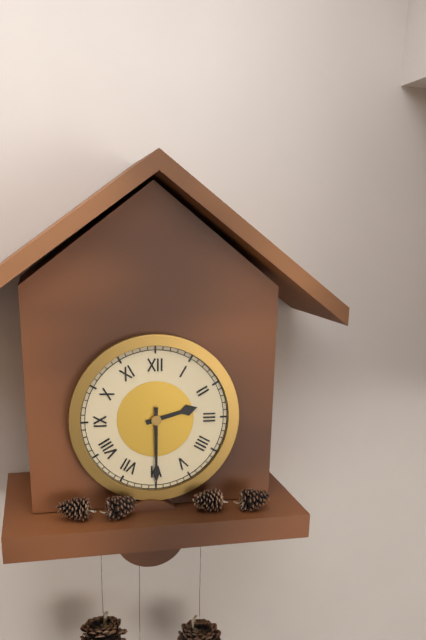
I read **2:30**
